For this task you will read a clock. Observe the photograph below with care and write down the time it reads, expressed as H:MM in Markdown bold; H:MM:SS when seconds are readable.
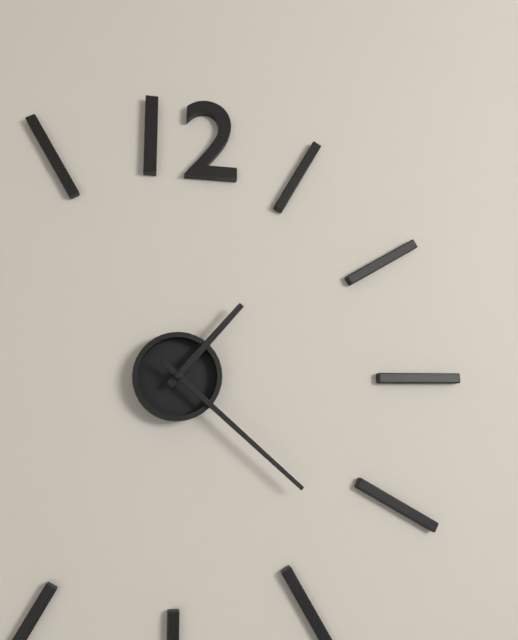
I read **1:22**
